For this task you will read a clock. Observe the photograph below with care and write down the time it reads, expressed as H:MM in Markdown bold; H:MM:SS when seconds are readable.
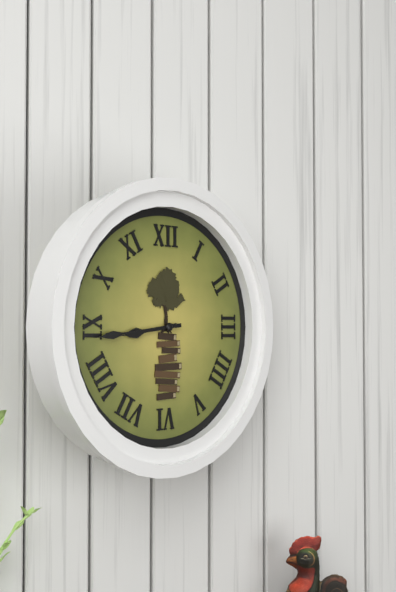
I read **8:44**
